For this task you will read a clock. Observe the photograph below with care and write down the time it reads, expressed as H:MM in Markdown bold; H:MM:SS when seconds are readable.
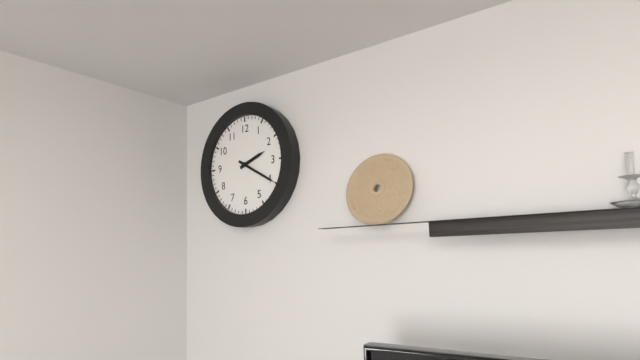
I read **2:20**
